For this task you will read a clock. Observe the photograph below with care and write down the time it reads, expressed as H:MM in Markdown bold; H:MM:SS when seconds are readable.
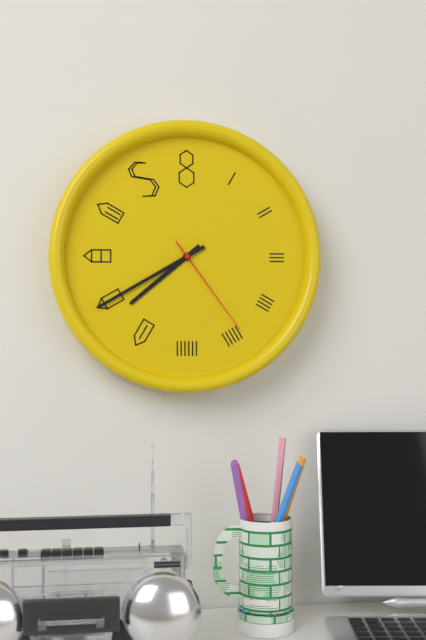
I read **7:40:24**
